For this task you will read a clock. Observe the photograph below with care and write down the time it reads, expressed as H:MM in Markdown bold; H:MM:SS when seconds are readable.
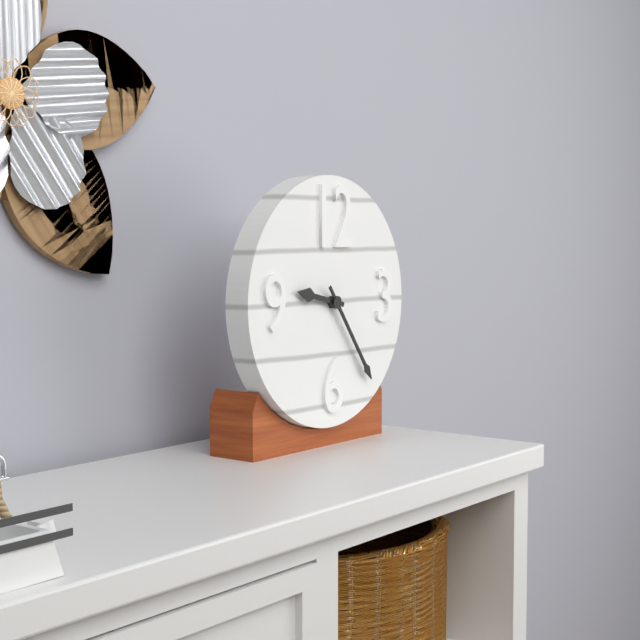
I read **9:24**
